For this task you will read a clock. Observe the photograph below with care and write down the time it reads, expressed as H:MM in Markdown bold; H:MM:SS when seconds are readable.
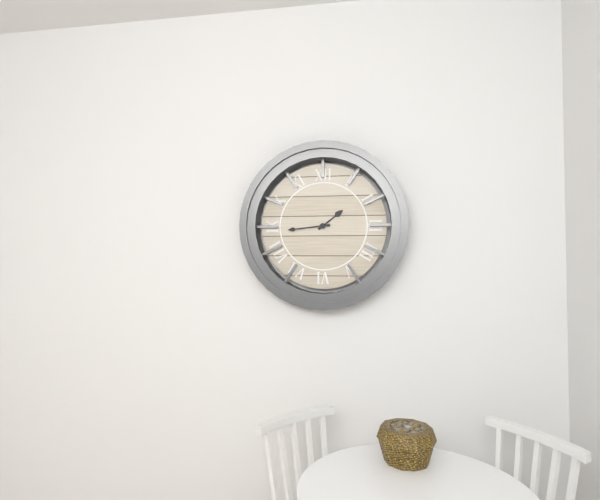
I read **1:44**
